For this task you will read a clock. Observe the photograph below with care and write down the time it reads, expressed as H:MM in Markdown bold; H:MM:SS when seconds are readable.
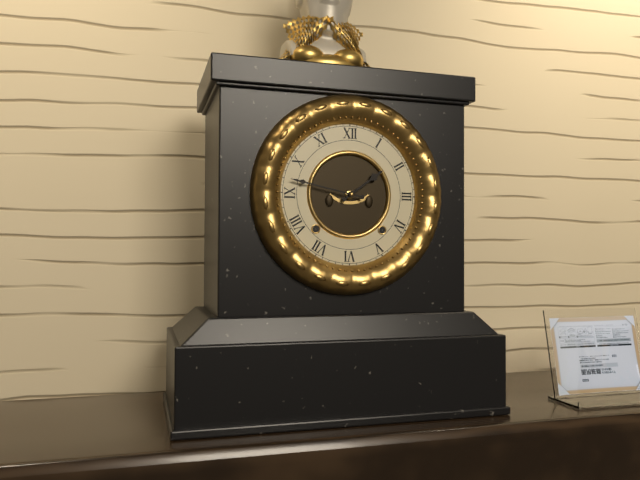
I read **1:47**
